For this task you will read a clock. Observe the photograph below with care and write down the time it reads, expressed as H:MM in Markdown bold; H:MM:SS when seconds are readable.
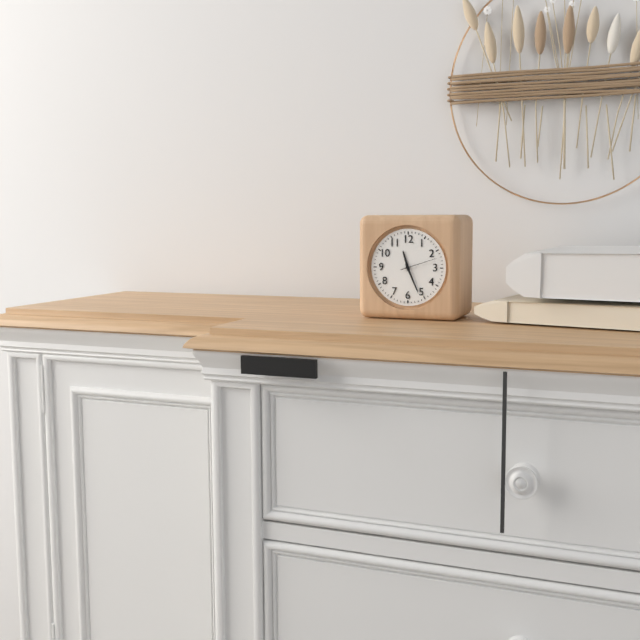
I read **11:26**
